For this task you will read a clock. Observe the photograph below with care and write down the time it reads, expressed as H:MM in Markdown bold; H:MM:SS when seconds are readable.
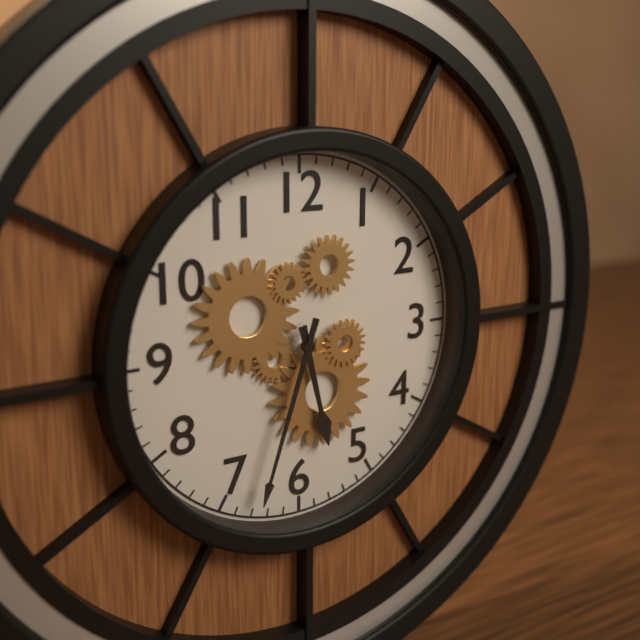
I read **5:33**
